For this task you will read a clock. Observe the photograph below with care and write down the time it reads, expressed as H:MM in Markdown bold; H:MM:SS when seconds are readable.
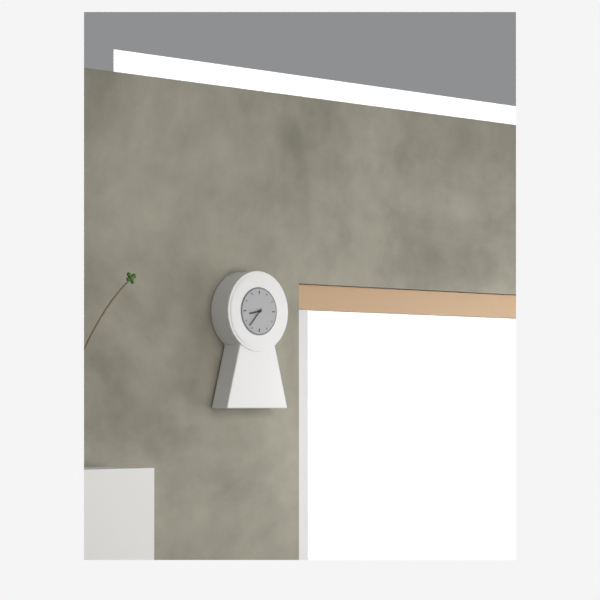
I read **8:37**
